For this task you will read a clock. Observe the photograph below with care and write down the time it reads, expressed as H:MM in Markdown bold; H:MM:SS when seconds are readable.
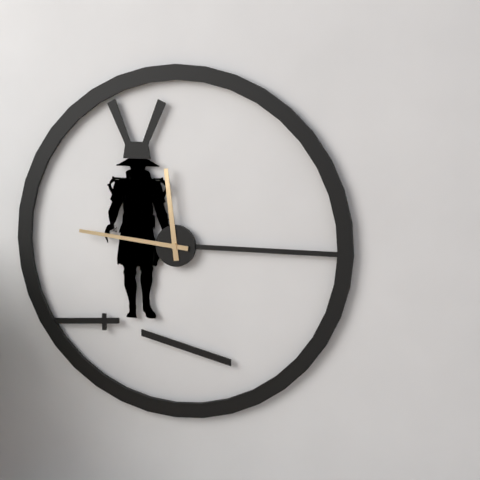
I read **11:46**
